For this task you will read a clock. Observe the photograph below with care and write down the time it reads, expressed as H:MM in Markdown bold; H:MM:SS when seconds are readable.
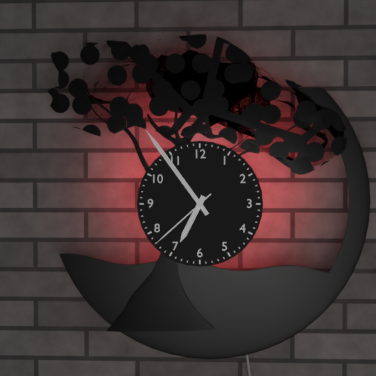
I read **6:54:38**
